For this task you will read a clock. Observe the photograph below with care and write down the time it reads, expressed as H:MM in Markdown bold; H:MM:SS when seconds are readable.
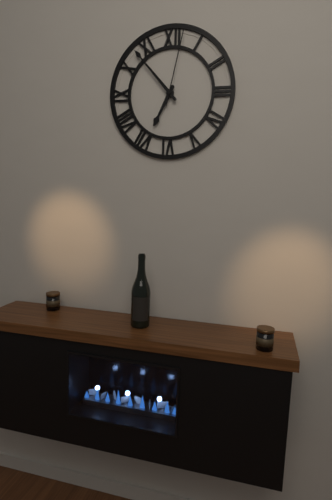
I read **6:53:02**
